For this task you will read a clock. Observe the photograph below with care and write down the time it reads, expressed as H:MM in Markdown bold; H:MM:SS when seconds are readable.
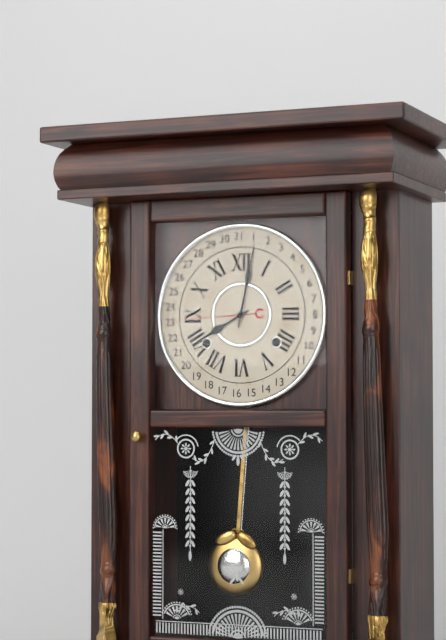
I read **8:02**
